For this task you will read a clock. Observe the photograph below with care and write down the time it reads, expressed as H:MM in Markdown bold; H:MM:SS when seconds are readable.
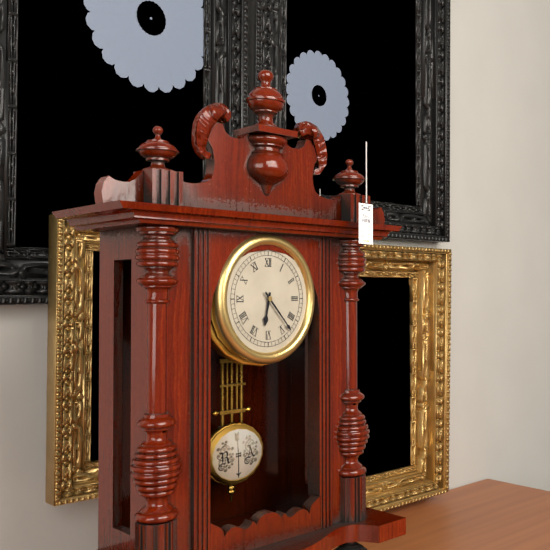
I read **6:23**
